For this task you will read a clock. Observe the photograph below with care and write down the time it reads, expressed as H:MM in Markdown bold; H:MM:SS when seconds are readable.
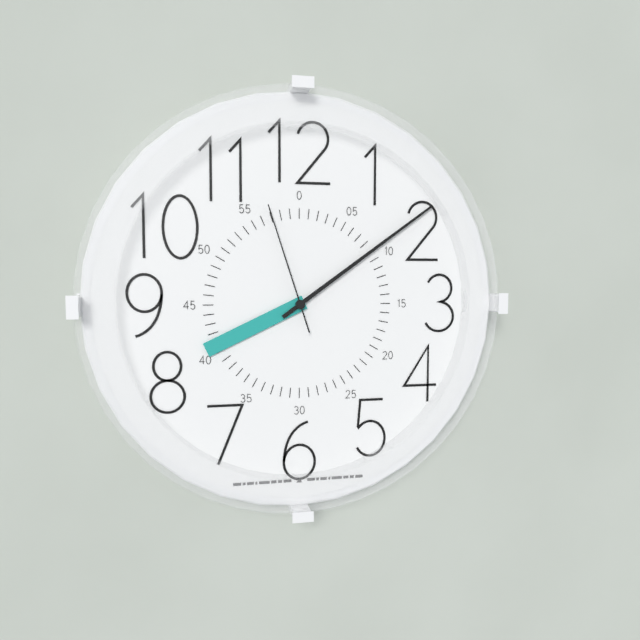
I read **8:09:57**
